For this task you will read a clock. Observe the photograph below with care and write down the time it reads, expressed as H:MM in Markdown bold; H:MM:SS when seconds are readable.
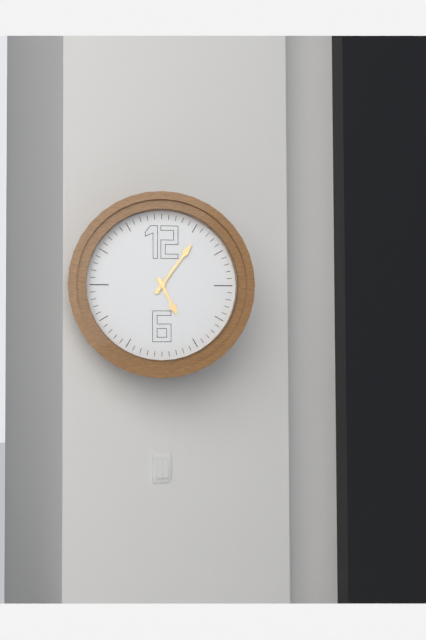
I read **5:06**
